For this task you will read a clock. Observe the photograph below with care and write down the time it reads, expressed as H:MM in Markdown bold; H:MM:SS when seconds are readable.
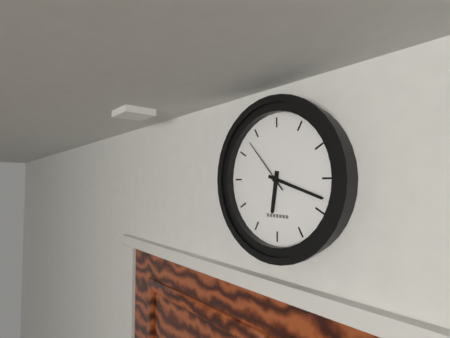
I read **6:18:53**
